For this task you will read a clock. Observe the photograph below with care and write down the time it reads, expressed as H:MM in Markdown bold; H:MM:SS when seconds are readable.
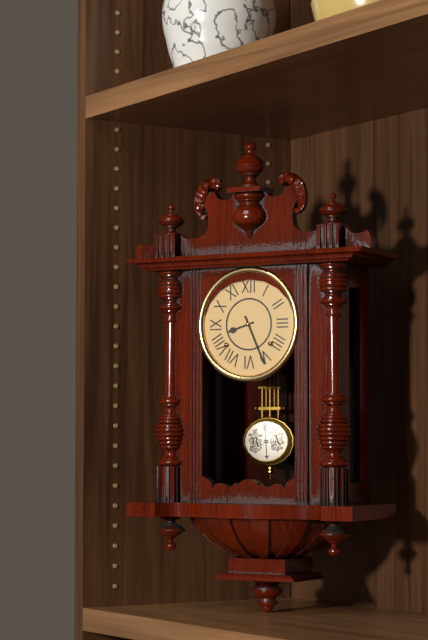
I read **8:26**
